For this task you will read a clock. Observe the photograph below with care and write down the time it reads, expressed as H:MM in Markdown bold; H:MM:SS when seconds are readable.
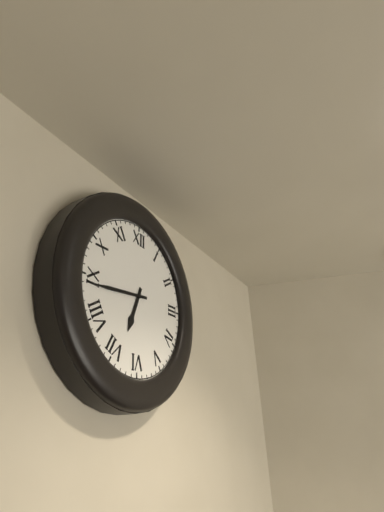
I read **6:44**
